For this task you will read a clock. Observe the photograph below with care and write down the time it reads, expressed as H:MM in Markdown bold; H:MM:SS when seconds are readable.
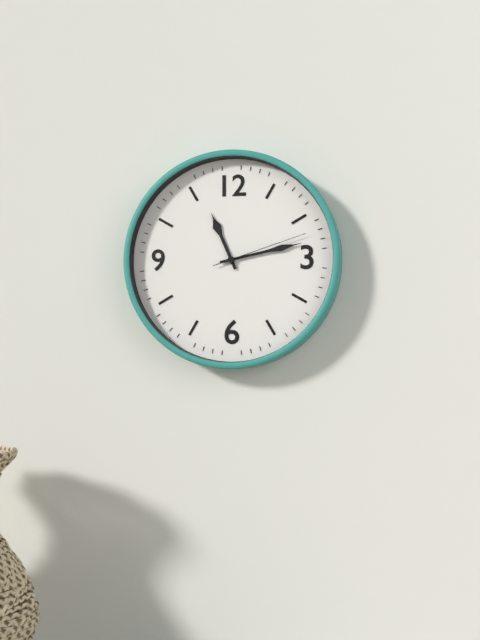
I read **11:13:12**
